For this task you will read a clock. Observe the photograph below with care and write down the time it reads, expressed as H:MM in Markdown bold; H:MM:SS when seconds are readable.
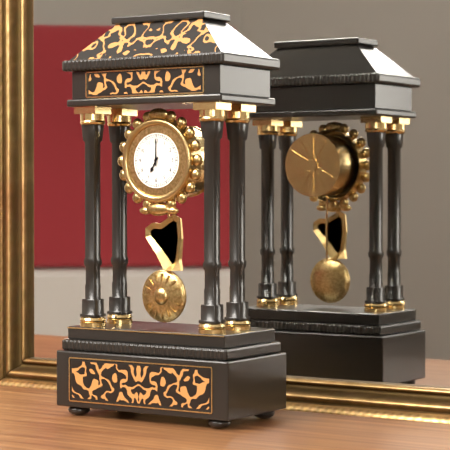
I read **7:00**
